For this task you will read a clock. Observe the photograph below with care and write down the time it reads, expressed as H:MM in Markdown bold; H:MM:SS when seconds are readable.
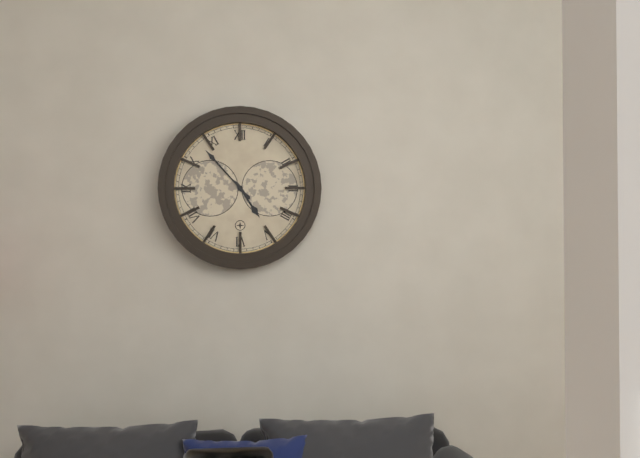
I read **4:53**
